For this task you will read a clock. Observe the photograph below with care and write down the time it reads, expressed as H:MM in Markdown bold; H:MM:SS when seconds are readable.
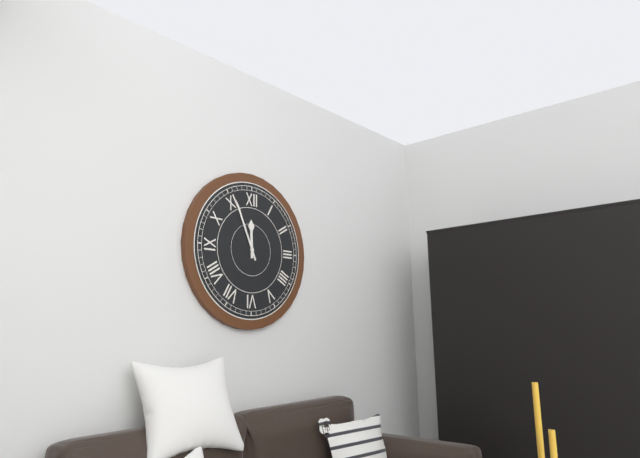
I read **11:56**
